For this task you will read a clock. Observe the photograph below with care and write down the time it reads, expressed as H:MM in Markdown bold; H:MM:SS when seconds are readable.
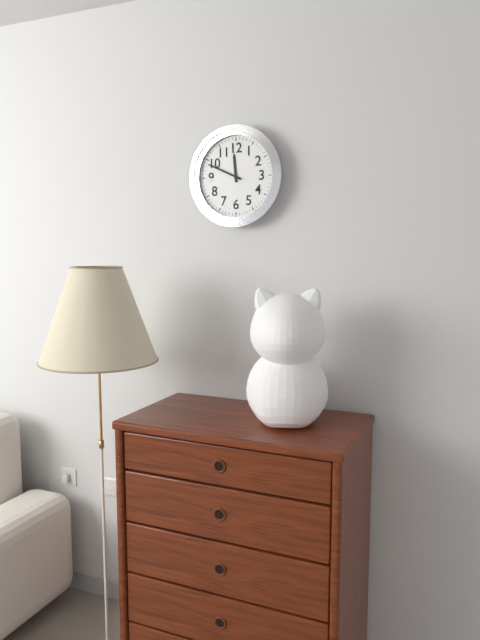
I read **11:49**
